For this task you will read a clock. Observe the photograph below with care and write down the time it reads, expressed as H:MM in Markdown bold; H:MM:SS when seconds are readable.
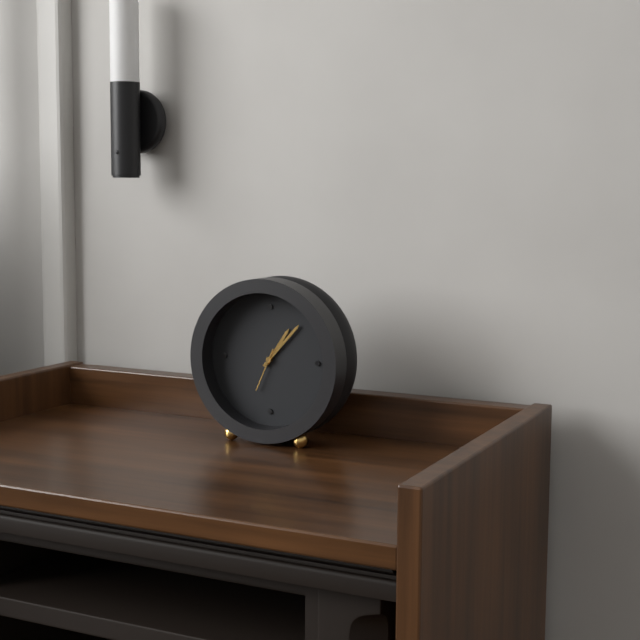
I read **1:07**
